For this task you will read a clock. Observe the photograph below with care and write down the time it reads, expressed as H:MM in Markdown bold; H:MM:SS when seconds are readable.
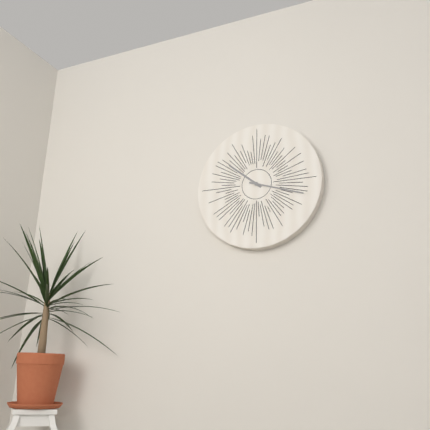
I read **10:18**
